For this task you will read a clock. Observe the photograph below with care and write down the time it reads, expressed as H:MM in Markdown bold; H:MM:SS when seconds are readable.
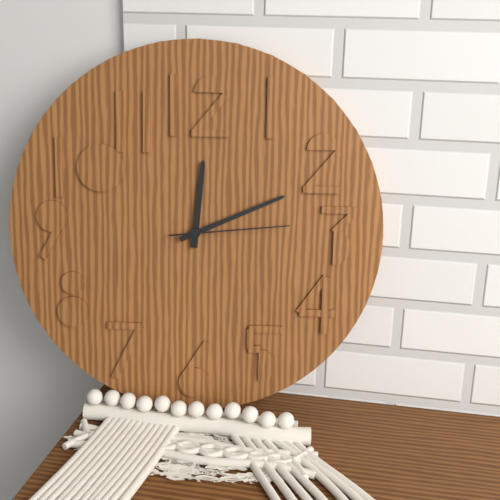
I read **12:11:14**
